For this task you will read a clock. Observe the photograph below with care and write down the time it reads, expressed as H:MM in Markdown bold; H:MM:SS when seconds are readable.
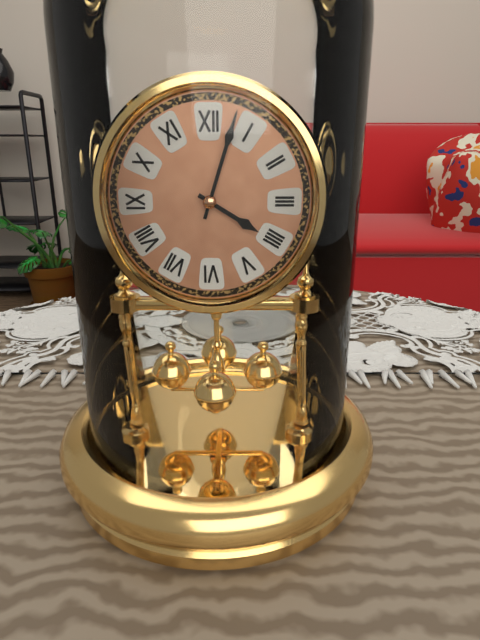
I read **4:03**
